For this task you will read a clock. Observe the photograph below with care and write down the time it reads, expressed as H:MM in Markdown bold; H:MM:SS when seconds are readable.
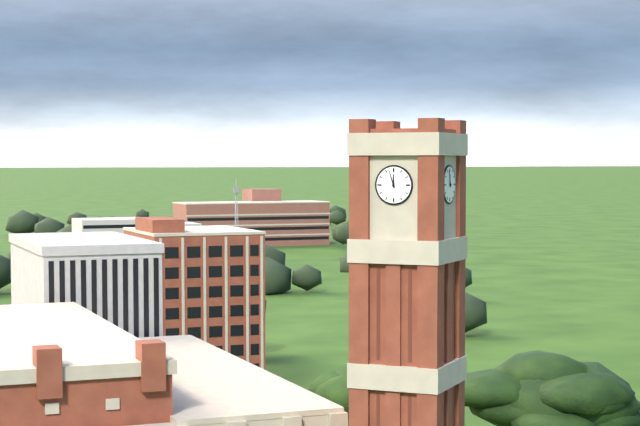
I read **11:57**
